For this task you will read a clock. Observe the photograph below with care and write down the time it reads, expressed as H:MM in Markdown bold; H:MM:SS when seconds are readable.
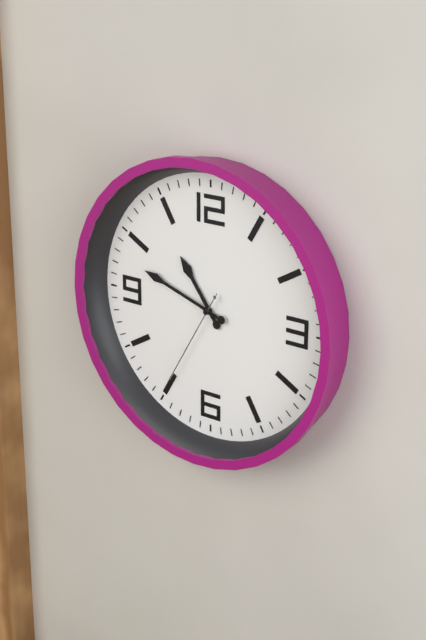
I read **10:48:35**
